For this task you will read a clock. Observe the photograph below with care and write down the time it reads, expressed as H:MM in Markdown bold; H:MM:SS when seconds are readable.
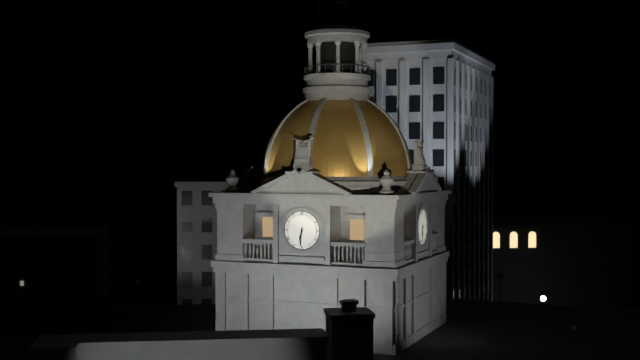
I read **6:31**
